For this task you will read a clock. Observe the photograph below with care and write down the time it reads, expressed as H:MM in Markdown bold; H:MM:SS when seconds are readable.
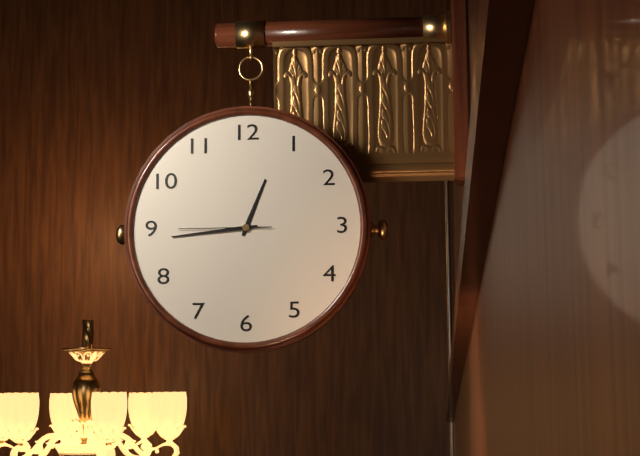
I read **12:44:45**
